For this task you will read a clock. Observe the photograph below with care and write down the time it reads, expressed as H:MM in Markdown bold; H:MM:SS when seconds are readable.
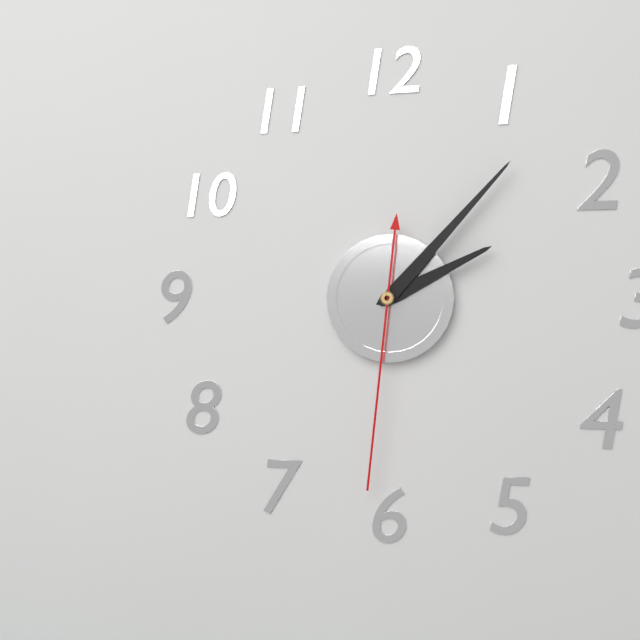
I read **2:07:31**
